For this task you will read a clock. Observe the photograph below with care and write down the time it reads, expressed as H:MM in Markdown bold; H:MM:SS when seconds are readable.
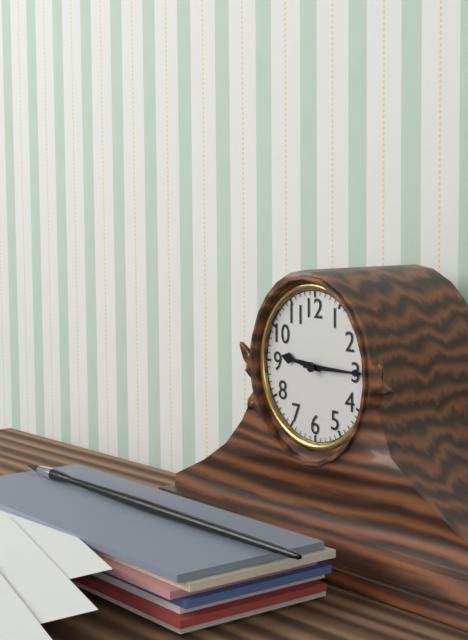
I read **9:15**
